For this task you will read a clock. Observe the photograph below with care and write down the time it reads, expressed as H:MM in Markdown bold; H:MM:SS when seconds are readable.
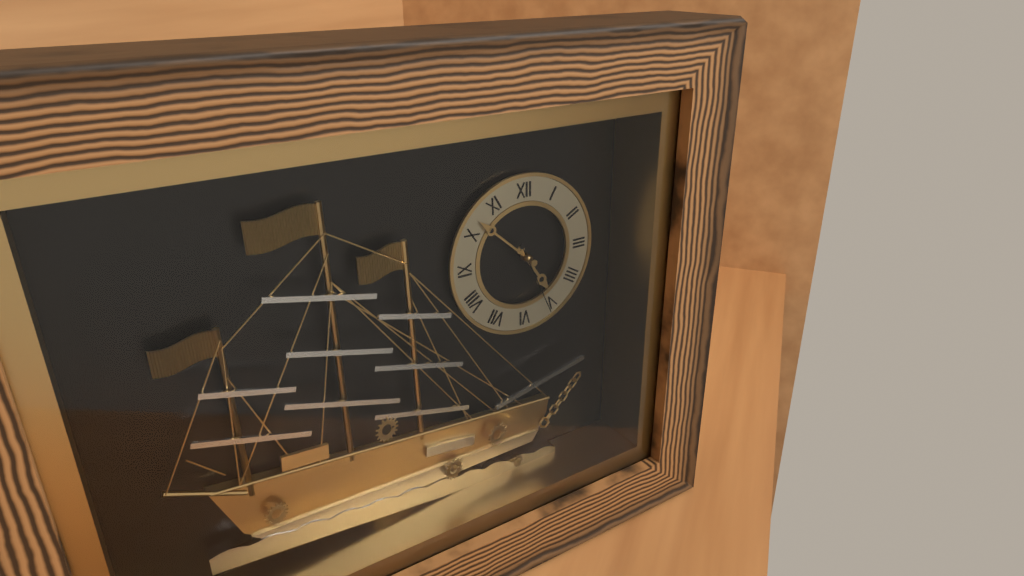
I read **4:52:26**
